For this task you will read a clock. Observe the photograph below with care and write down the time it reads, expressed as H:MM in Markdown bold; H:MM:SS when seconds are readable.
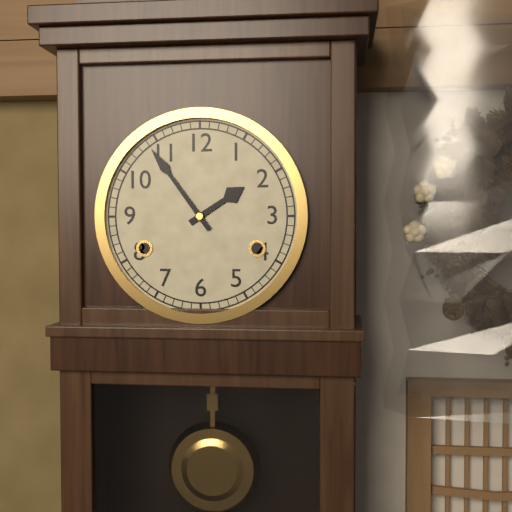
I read **1:54**
